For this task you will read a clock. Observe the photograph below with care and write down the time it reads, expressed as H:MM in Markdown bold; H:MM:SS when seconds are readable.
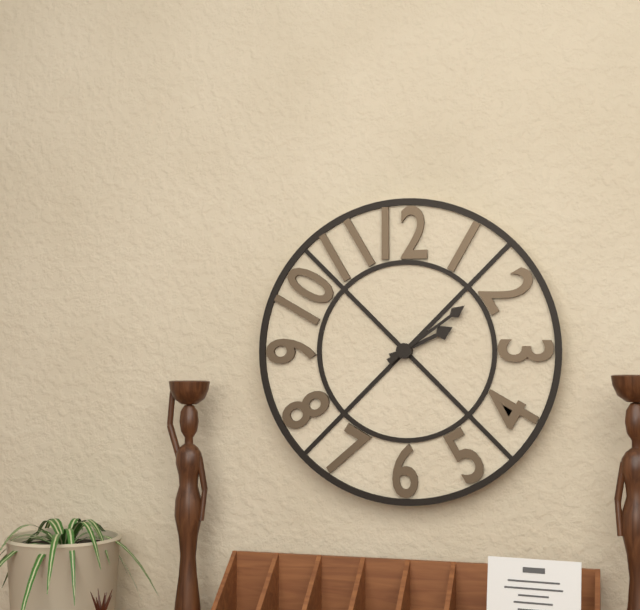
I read **2:09**
